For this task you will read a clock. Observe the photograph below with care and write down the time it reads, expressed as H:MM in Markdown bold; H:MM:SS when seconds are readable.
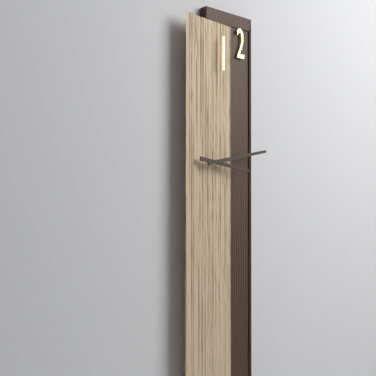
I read **3:13**
